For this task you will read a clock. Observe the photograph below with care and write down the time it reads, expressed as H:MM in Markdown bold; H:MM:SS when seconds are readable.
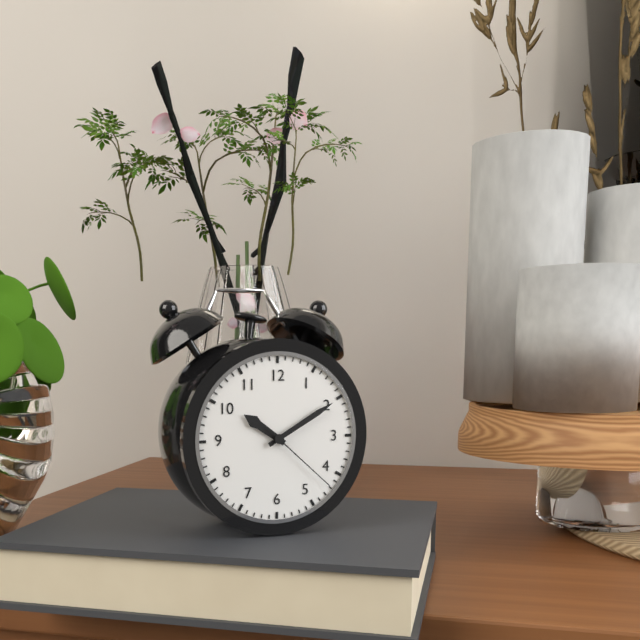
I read **10:10:22**
